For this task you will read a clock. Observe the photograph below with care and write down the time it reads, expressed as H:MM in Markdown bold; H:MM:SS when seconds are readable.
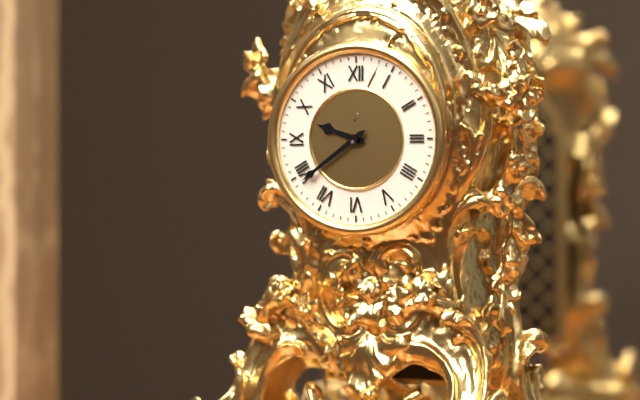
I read **9:39**
